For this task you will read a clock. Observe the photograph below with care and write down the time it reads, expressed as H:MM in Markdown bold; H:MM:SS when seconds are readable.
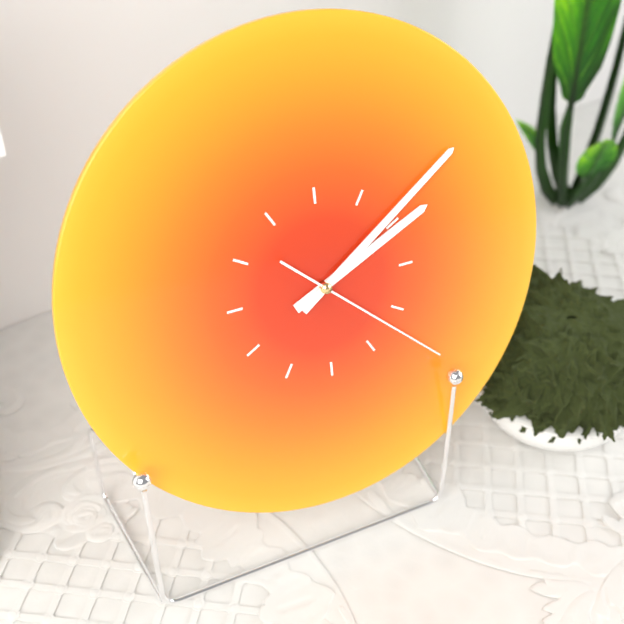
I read **2:09:22**
